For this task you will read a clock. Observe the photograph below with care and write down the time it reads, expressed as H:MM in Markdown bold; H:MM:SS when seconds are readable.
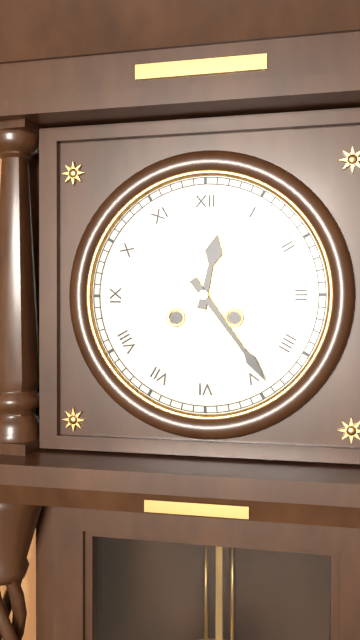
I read **12:24**
